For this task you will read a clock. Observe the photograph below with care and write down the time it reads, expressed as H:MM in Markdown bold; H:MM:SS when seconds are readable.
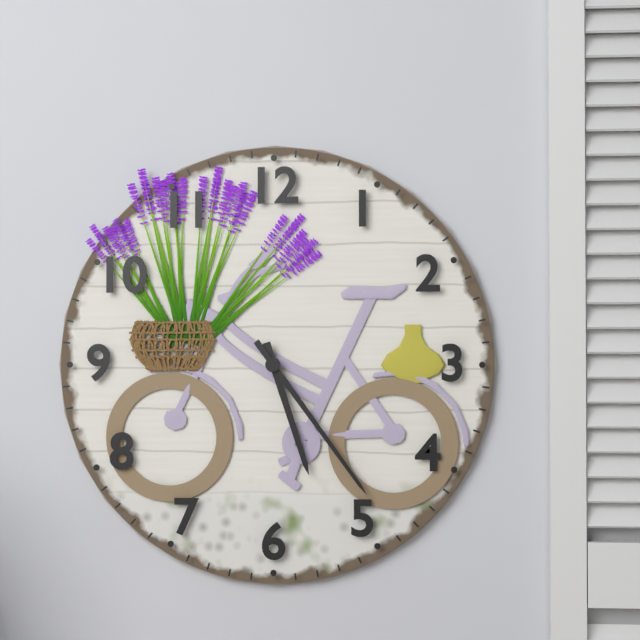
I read **5:24**
